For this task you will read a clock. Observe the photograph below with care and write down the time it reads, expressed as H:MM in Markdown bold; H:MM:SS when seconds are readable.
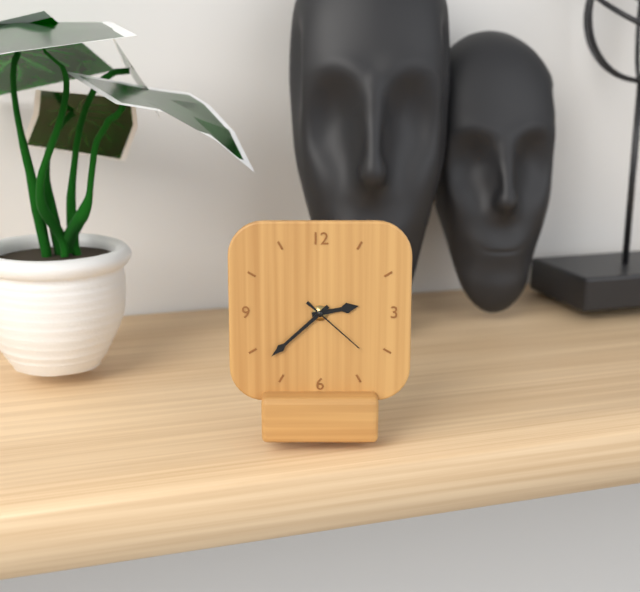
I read **2:38:22**
